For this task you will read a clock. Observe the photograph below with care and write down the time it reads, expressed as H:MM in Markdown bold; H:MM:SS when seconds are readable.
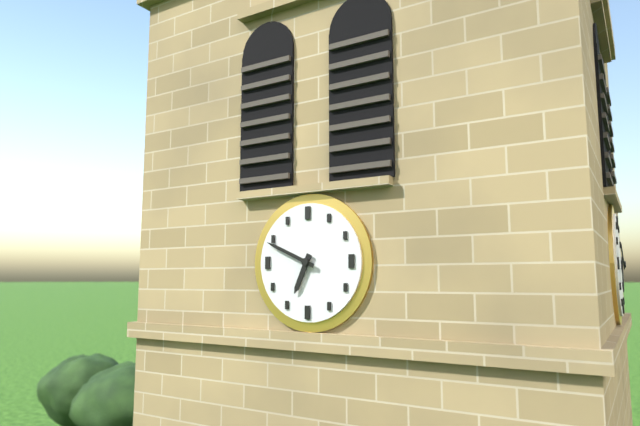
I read **6:49**
